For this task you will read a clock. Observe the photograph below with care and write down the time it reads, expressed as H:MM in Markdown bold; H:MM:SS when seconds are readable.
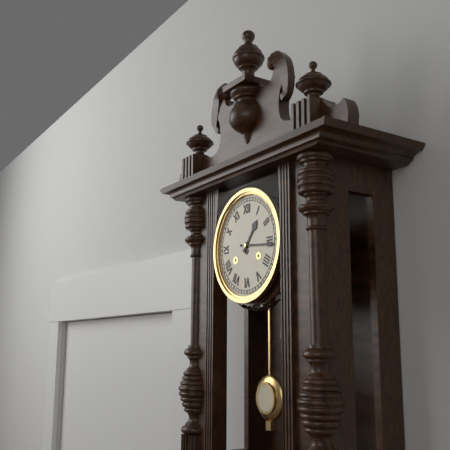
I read **1:16**
